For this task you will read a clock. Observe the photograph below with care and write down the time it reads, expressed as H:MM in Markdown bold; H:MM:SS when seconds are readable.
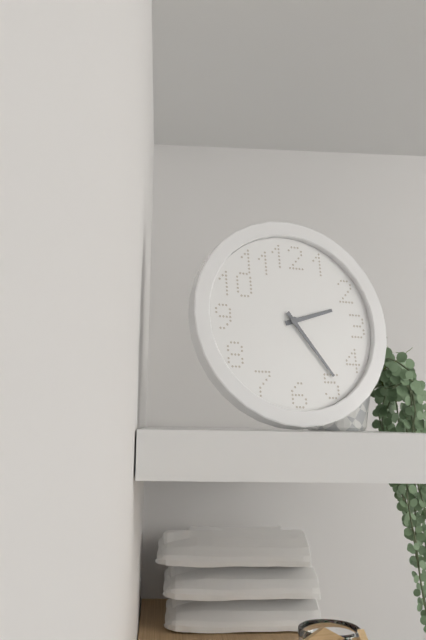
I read **2:24**
